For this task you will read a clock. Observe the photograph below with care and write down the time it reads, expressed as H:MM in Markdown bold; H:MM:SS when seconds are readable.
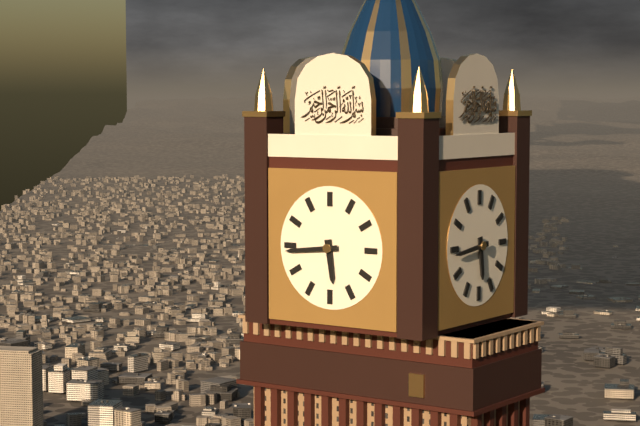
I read **5:44**
